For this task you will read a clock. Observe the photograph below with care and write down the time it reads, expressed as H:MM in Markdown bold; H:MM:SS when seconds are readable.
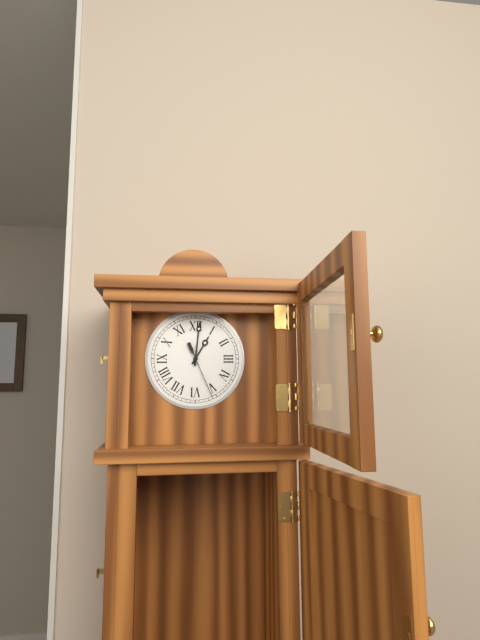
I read **1:01:26**
